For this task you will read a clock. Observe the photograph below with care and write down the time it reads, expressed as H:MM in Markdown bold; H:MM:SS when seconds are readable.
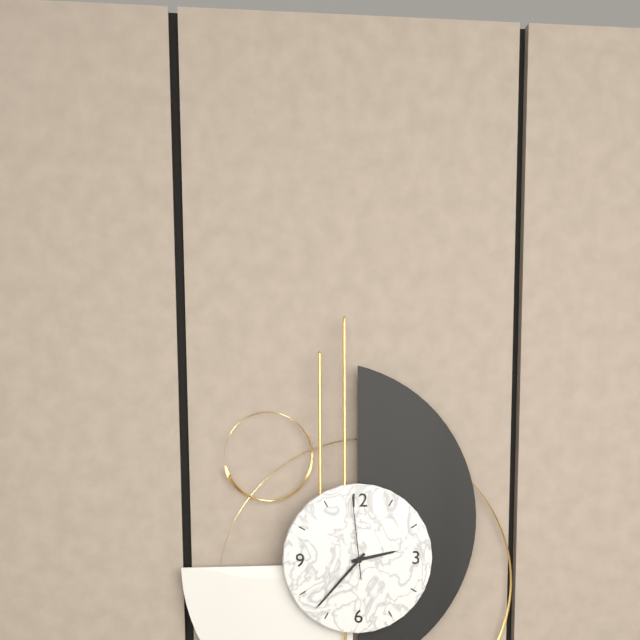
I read **2:37:59**
